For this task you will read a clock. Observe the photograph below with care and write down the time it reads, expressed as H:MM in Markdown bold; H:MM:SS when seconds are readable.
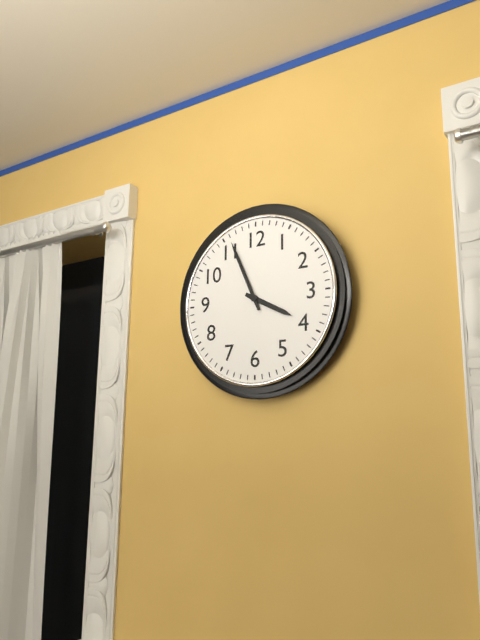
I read **3:56**
